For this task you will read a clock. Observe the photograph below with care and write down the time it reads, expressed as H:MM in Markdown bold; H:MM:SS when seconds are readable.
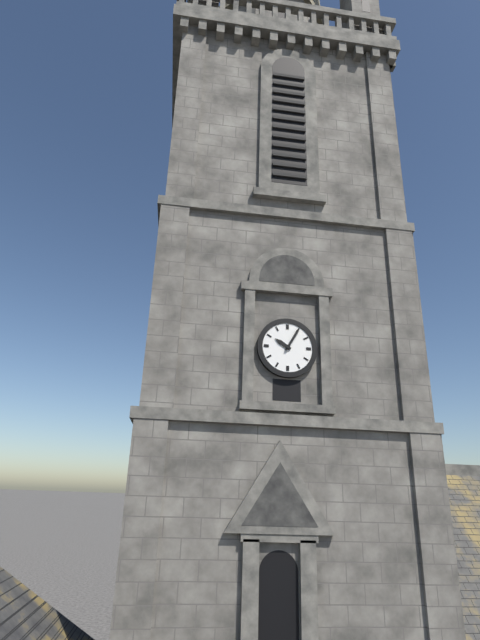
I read **10:05**
